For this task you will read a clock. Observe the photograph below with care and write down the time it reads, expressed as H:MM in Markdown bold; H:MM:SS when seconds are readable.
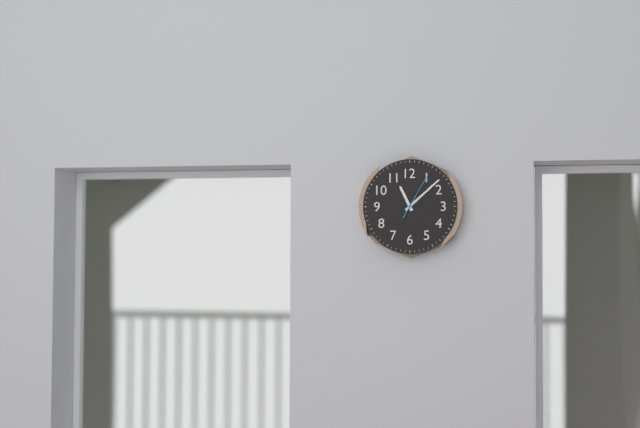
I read **11:08**
